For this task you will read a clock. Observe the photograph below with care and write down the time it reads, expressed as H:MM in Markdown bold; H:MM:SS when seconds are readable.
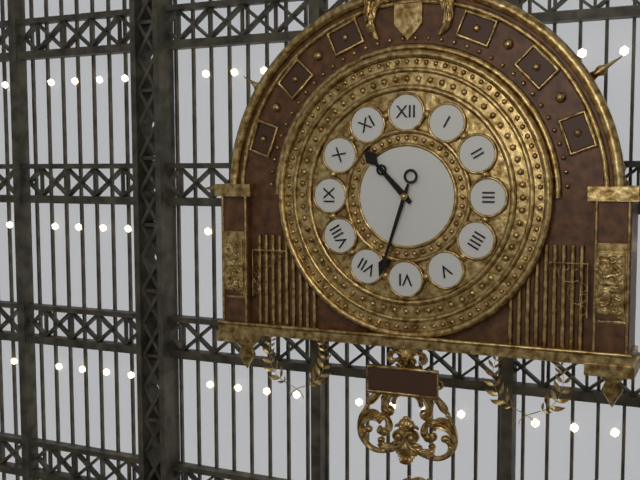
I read **10:33**
